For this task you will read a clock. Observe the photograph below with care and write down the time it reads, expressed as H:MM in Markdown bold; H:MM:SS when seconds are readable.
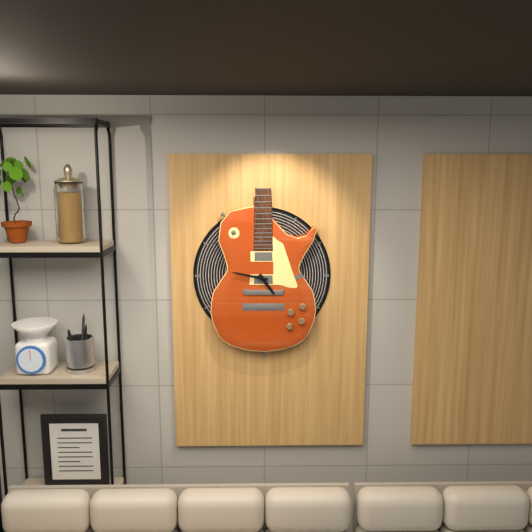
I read **4:47**
